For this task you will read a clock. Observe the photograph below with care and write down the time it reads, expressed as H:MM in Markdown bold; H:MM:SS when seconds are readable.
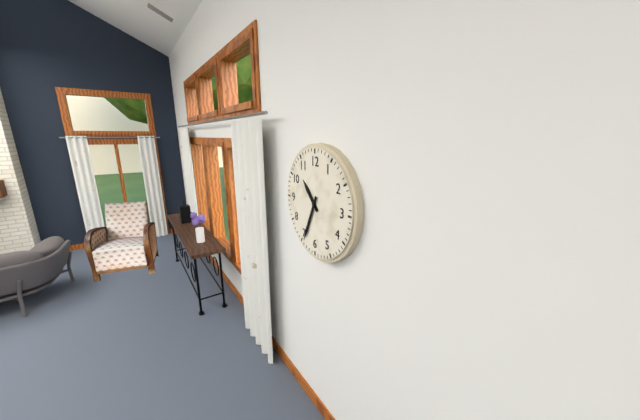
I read **10:34**
